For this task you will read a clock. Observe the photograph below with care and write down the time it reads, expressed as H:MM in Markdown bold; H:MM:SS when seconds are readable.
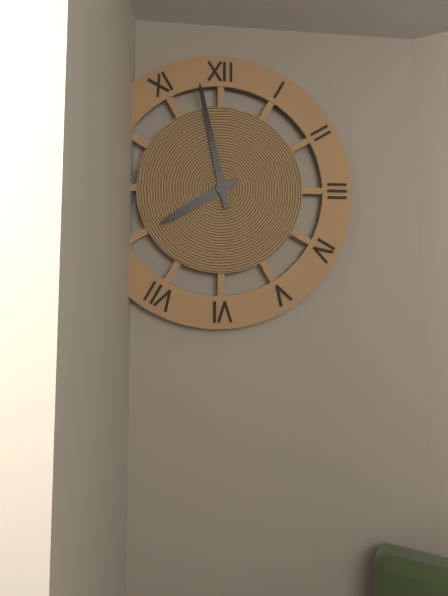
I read **7:58**
